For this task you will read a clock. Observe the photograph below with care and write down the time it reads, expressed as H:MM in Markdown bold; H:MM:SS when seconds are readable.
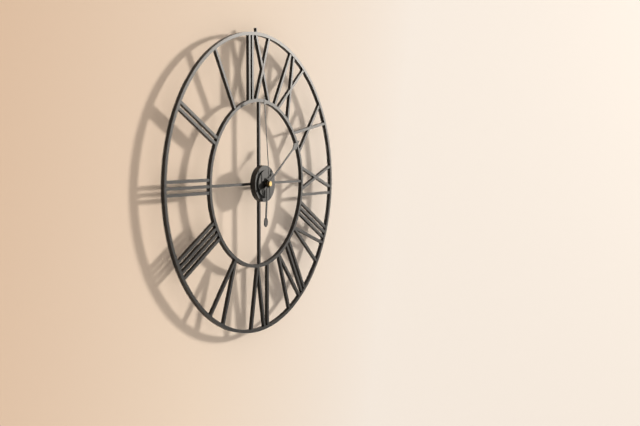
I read **6:09:59**
